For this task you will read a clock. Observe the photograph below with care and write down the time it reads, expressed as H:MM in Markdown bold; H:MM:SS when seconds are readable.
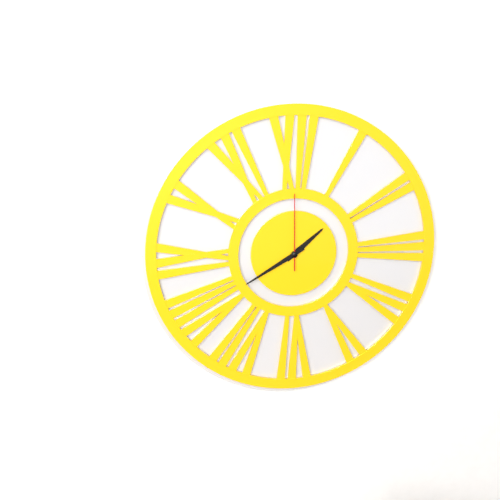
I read **1:40:00**
